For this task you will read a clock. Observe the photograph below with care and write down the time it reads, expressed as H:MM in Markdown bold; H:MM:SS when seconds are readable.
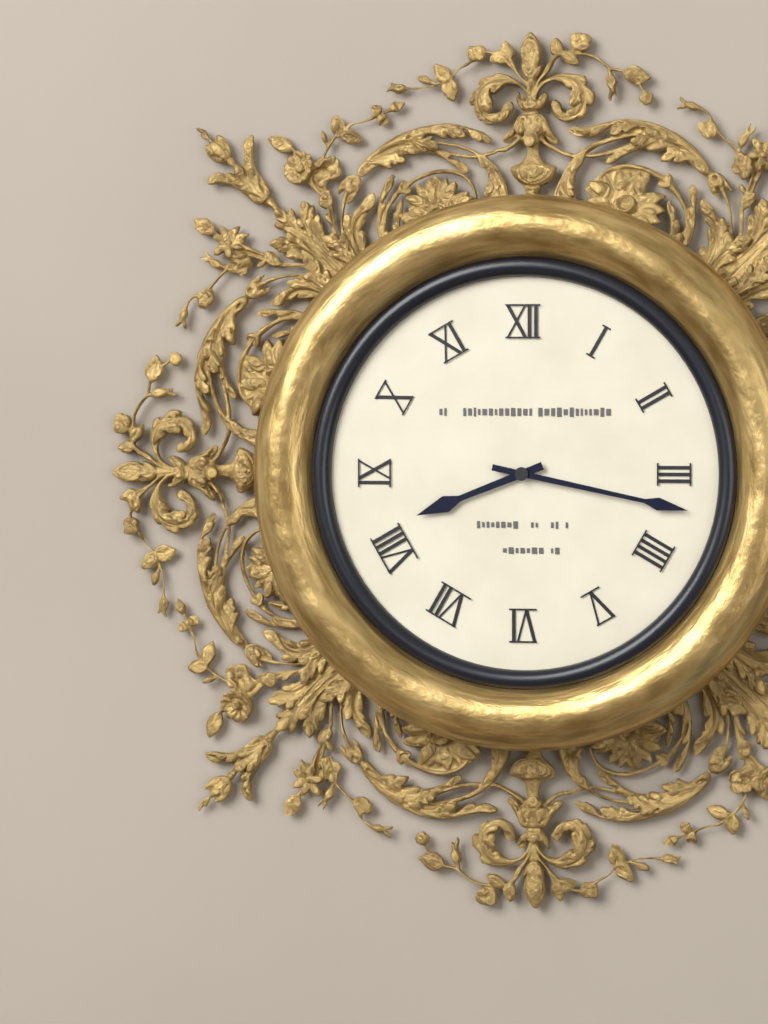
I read **8:17**
